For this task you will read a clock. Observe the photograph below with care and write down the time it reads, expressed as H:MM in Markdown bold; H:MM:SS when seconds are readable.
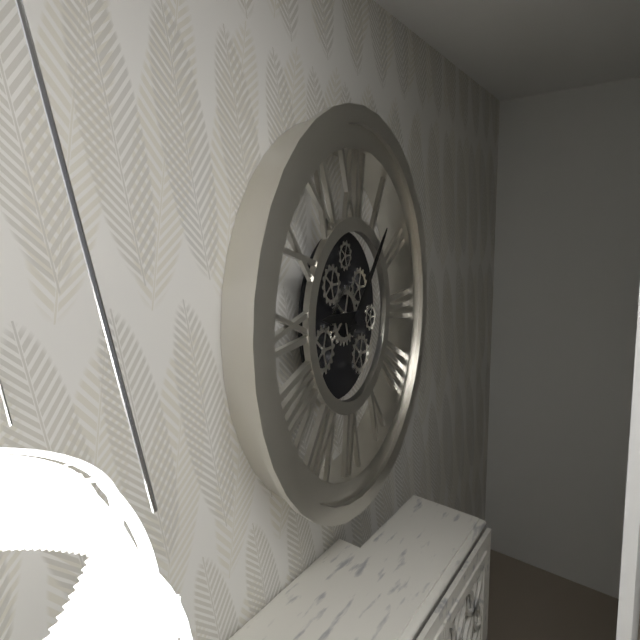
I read **9:07**
